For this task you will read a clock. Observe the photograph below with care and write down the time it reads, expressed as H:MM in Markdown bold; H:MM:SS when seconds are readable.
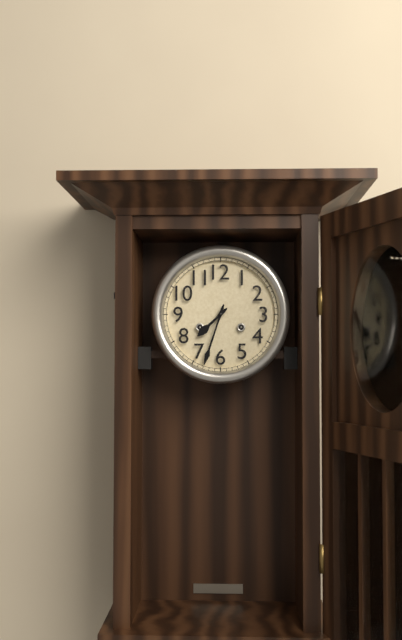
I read **7:33**
